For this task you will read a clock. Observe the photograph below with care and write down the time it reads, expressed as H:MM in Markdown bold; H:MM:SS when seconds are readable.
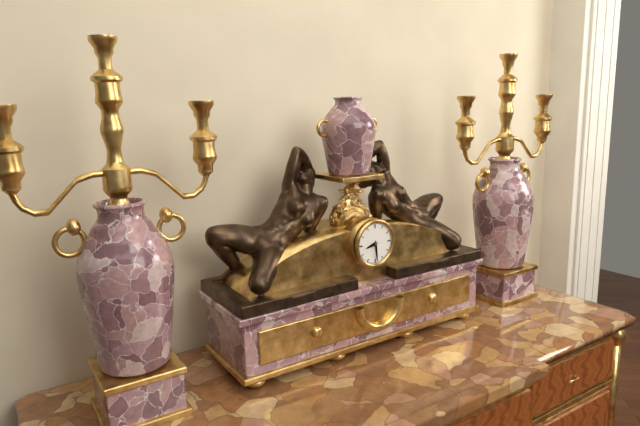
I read **8:29**
